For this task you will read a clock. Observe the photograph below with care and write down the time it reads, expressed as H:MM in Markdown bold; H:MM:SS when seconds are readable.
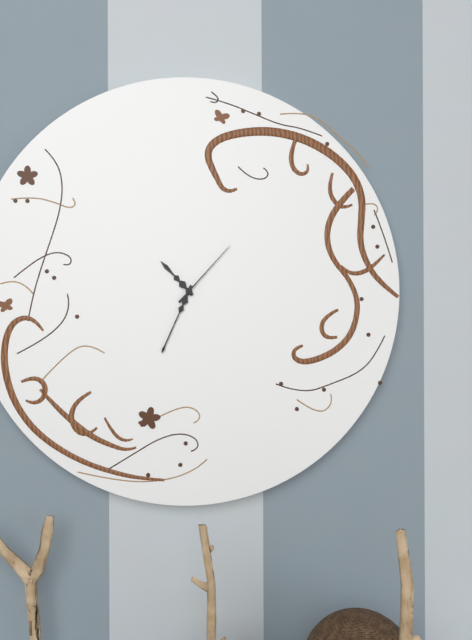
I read **10:34:07**
